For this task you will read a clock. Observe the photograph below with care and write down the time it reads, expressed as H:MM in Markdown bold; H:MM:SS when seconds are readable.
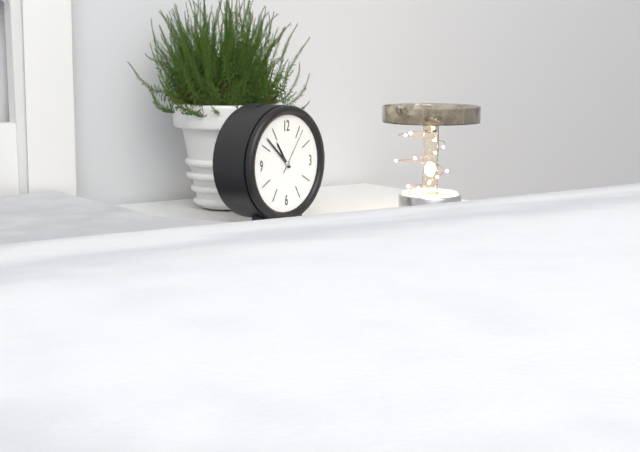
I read **10:52**
